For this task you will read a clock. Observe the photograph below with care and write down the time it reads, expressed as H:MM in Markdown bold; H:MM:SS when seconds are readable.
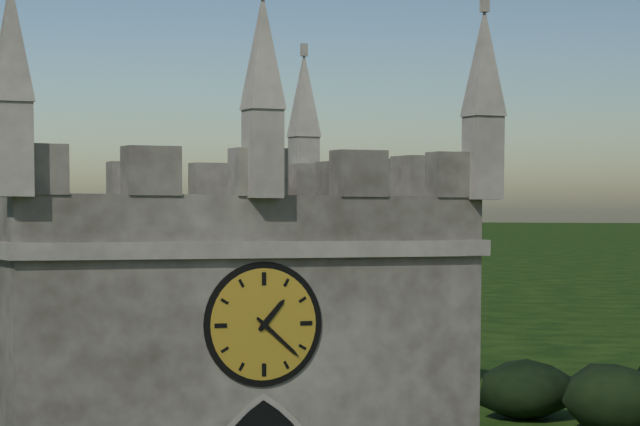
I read **1:22**
